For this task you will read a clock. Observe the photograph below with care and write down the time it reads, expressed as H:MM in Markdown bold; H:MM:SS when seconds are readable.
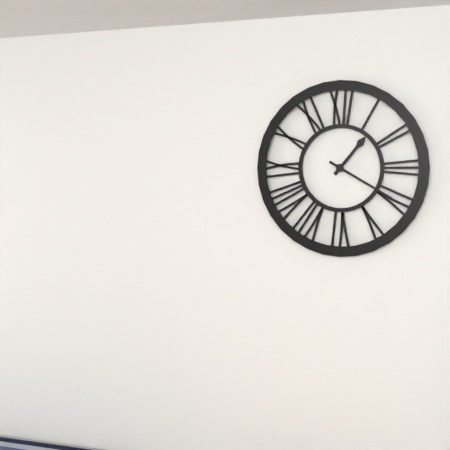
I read **1:20**
